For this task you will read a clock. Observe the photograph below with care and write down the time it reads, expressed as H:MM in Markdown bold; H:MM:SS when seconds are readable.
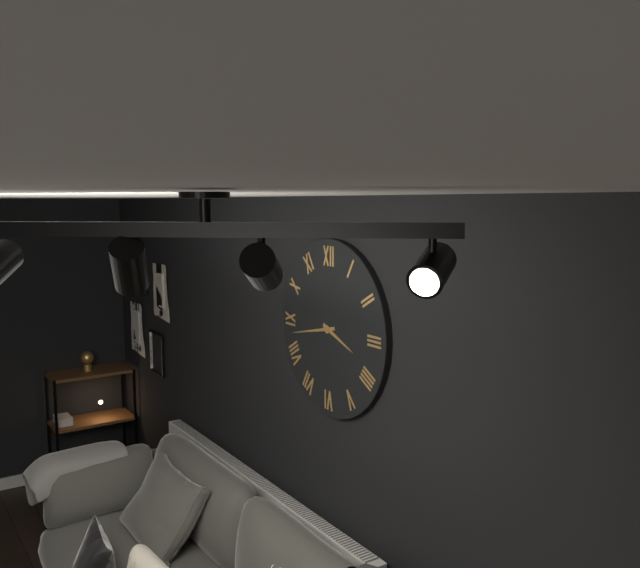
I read **3:43**
